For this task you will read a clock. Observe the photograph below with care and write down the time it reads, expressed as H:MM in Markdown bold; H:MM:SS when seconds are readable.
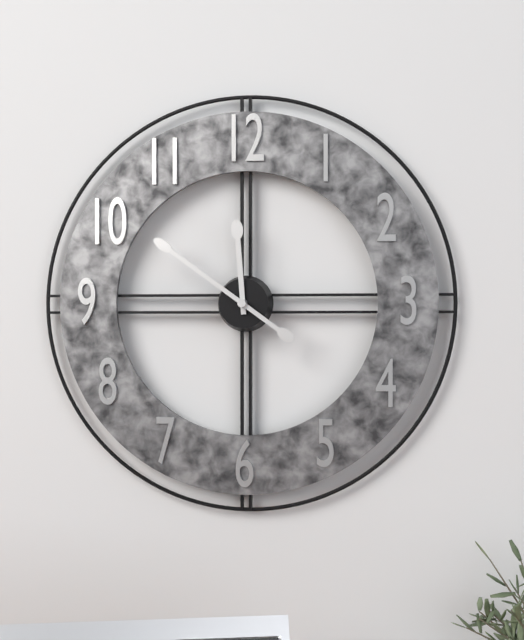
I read **11:51**
